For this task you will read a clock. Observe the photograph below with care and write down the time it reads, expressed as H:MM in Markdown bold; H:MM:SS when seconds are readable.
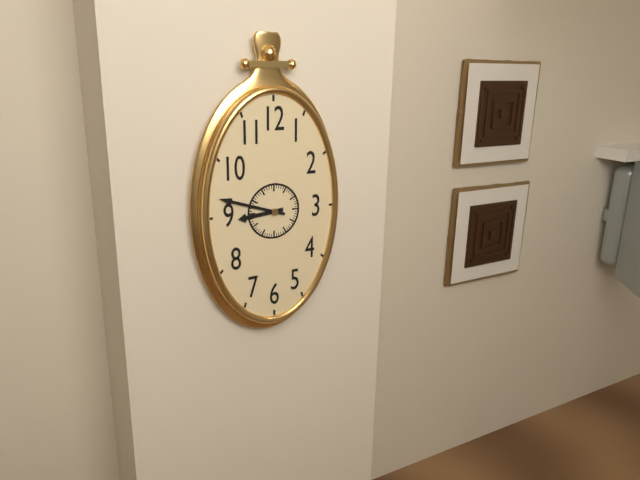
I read **8:48**
